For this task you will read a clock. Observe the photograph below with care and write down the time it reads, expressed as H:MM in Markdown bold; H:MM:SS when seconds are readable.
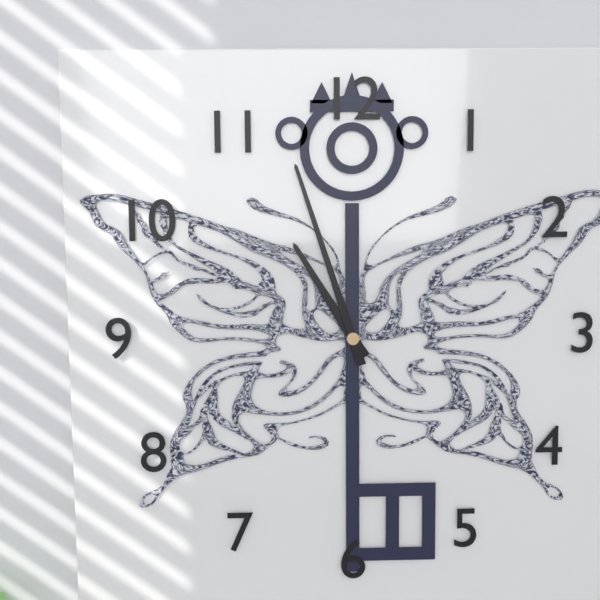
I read **10:57**
